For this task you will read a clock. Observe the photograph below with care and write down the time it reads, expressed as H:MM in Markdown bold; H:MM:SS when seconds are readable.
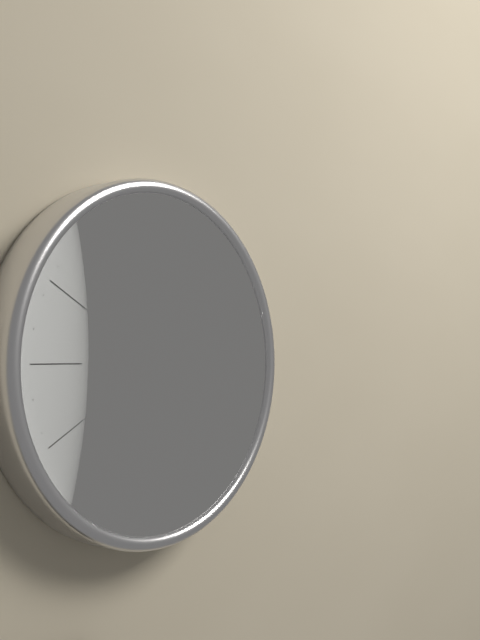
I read **3:28**
